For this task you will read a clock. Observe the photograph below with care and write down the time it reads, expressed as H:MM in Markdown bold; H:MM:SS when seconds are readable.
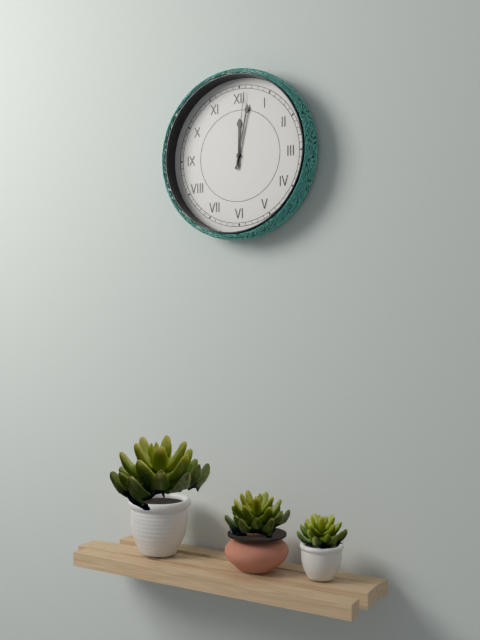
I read **12:02:01**
